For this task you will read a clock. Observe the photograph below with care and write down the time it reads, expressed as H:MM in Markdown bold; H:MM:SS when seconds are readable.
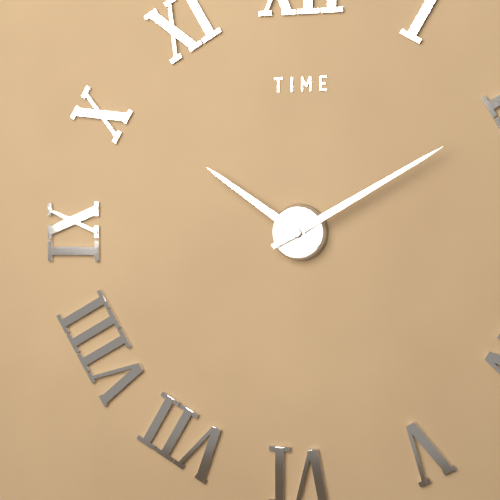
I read **10:10**
